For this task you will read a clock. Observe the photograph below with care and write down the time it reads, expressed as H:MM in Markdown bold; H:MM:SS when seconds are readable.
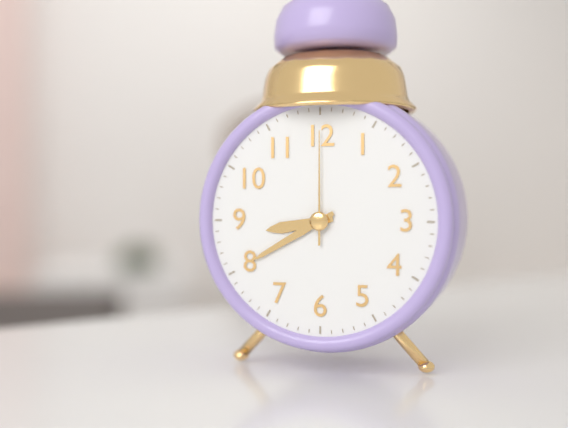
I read **8:40:00**
